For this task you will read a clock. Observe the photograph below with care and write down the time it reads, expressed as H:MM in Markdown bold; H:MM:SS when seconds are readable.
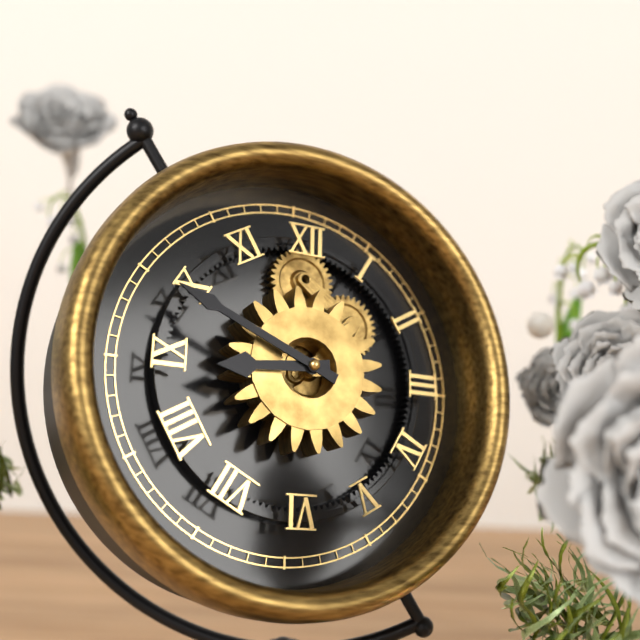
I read **8:49**
